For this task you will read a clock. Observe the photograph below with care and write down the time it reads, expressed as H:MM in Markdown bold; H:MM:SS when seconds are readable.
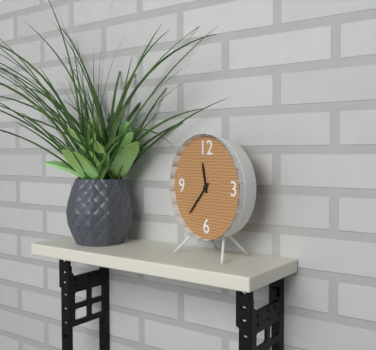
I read **11:37**
